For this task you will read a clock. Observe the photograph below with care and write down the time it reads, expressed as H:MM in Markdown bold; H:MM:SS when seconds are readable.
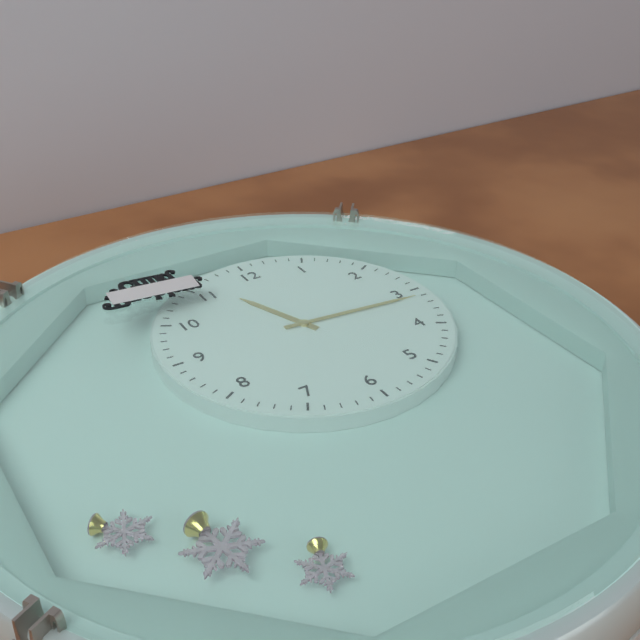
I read **11:16**
